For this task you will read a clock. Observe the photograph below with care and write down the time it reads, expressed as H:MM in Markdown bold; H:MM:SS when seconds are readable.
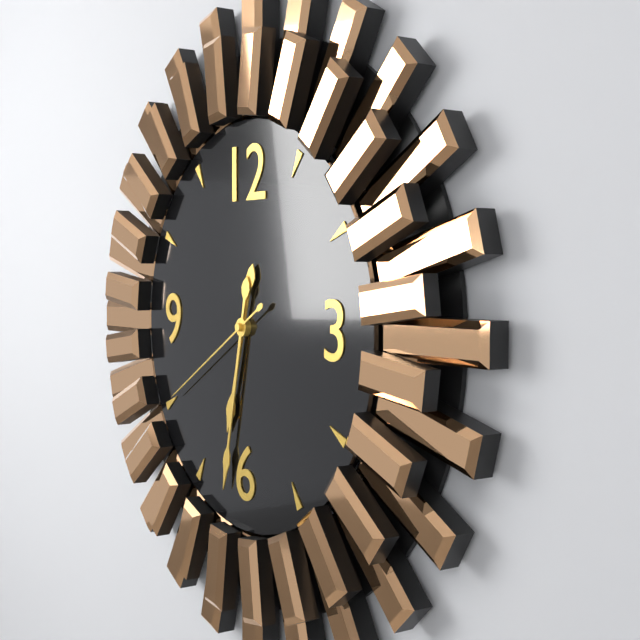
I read **6:32:40**
